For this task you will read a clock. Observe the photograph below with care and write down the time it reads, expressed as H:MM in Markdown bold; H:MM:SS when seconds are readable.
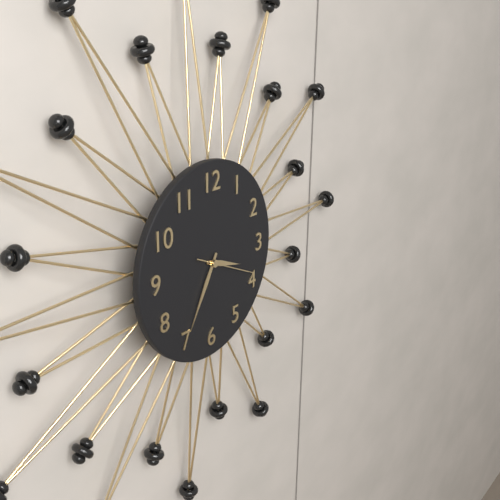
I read **3:35:19**
